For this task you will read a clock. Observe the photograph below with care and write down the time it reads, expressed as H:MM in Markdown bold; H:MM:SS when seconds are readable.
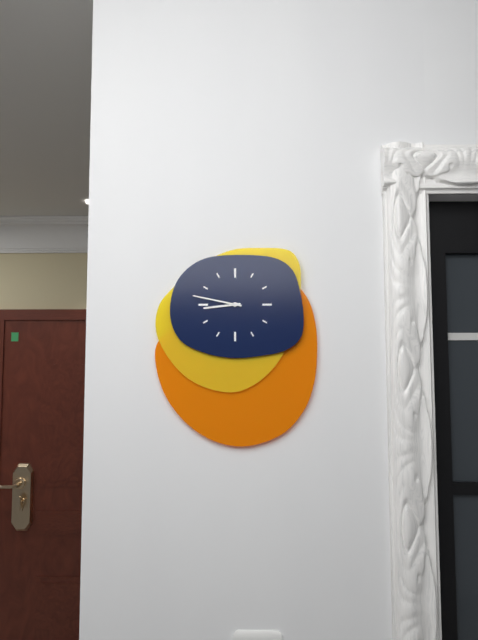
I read **8:47**
